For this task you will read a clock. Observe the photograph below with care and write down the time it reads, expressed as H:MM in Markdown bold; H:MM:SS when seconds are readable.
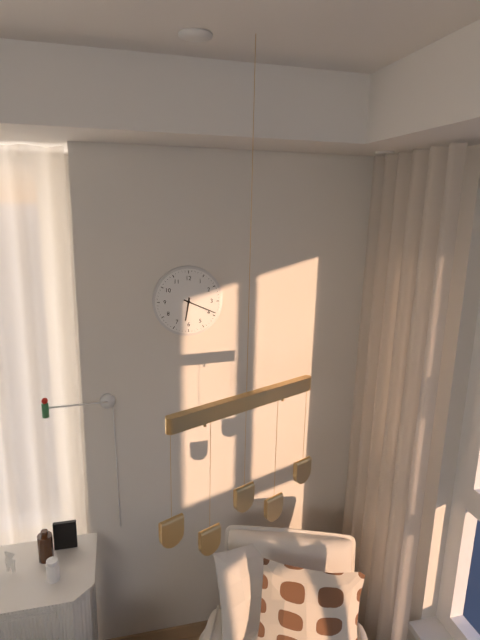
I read **6:19**
